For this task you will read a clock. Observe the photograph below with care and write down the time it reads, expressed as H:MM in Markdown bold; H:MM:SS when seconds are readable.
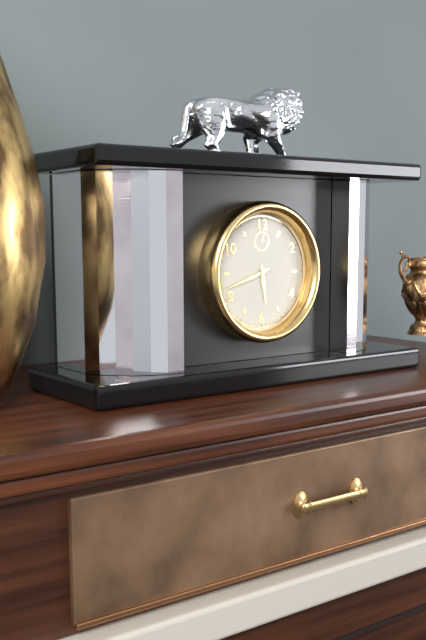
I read **5:42**
